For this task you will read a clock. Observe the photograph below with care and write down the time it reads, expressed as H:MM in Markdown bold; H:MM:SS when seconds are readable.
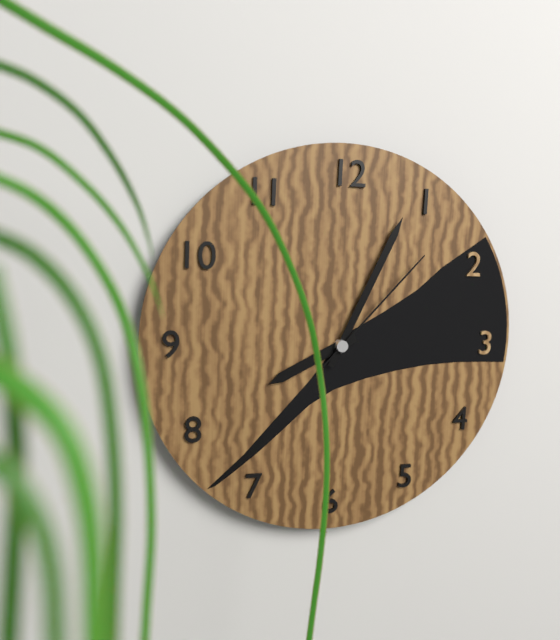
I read **8:04:07**
